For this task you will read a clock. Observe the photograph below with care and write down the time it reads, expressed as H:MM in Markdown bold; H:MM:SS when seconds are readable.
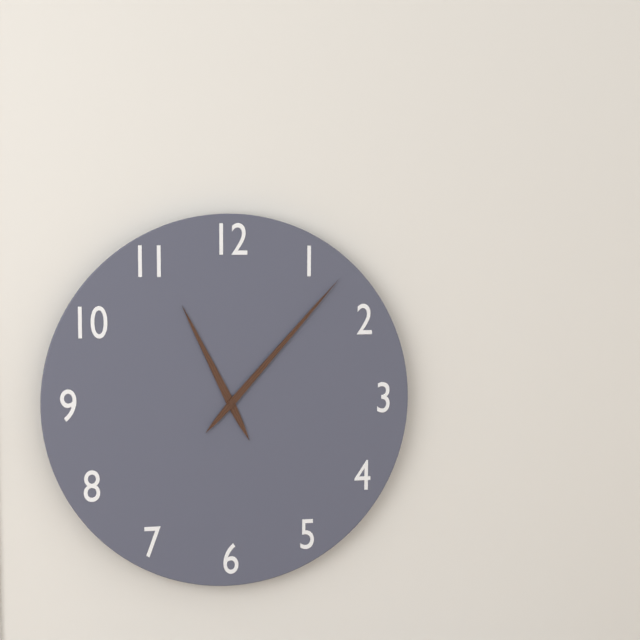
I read **11:07**
